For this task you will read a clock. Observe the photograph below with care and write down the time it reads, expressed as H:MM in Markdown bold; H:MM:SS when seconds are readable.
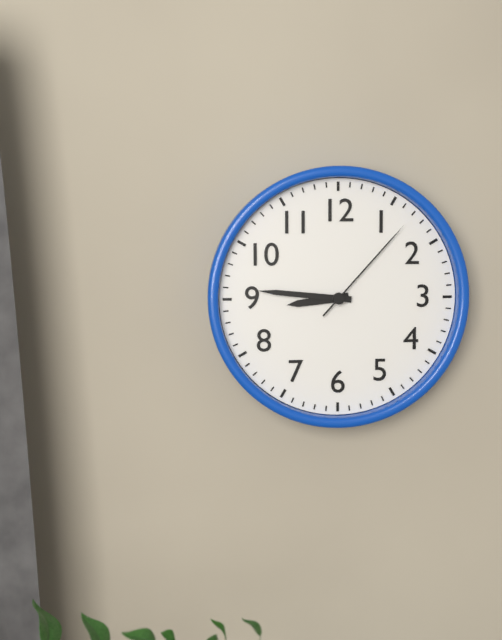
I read **8:46:07**
